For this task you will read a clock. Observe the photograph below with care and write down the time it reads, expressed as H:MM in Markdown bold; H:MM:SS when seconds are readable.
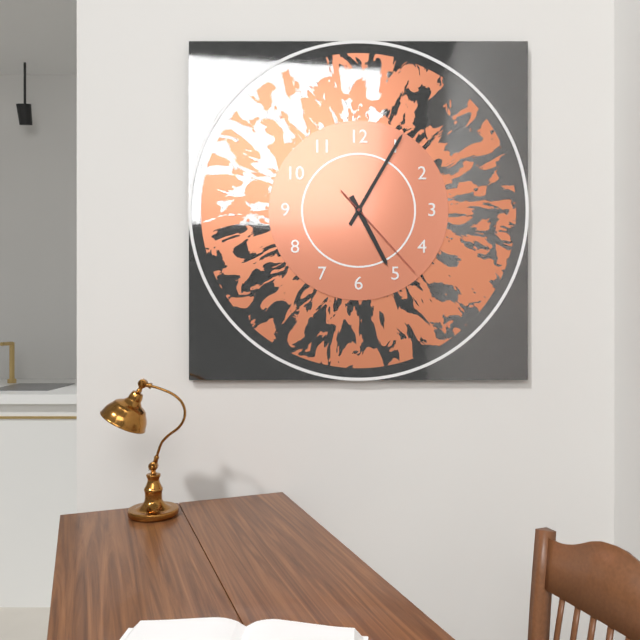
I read **5:05:23**
